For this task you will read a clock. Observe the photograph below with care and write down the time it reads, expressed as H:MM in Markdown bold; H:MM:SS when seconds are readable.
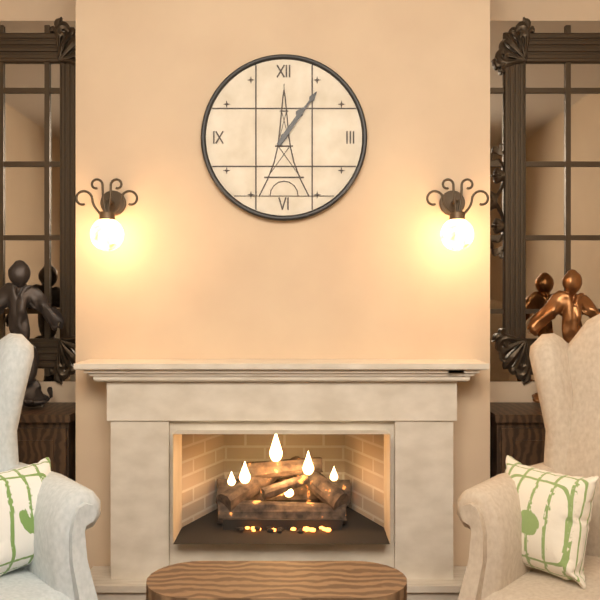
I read **1:06**
